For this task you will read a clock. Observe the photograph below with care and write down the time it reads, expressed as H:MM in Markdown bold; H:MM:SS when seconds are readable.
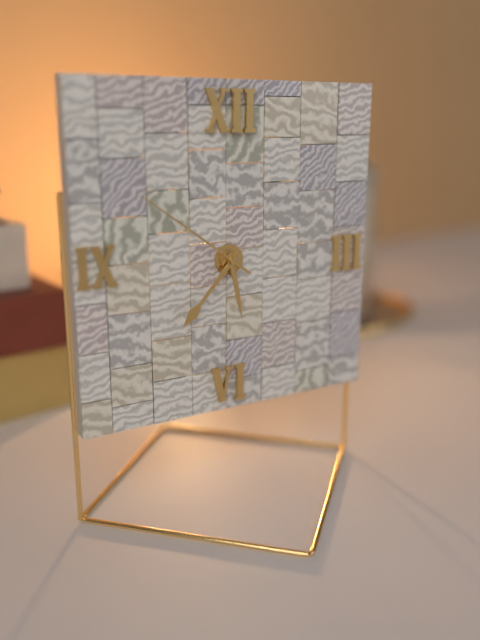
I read **5:37:51**
